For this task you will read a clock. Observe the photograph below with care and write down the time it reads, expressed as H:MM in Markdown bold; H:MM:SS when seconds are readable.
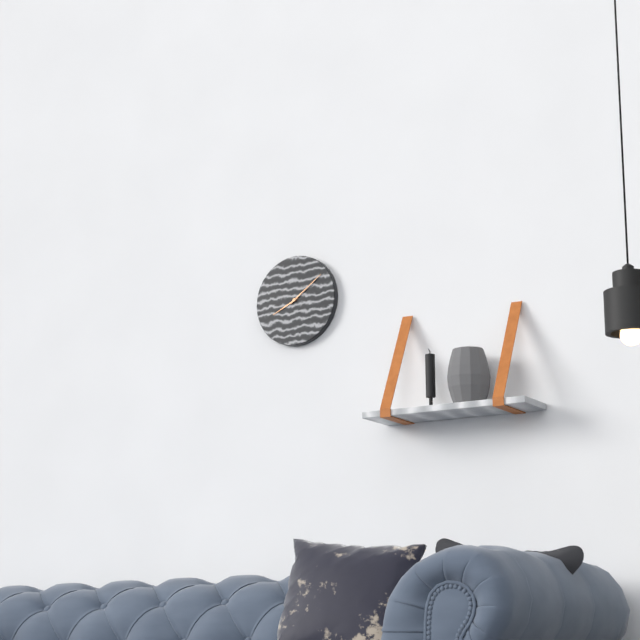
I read **8:09**
